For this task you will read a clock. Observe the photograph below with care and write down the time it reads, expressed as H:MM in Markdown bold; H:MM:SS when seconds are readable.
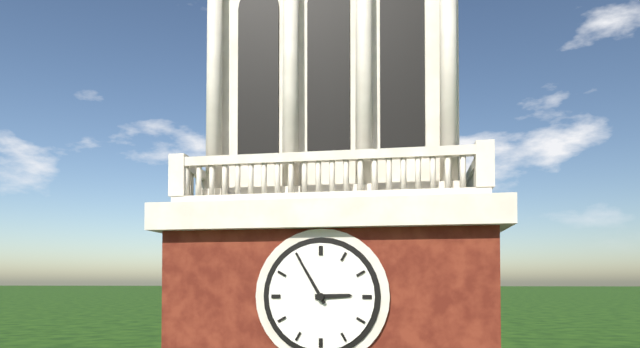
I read **2:55**
